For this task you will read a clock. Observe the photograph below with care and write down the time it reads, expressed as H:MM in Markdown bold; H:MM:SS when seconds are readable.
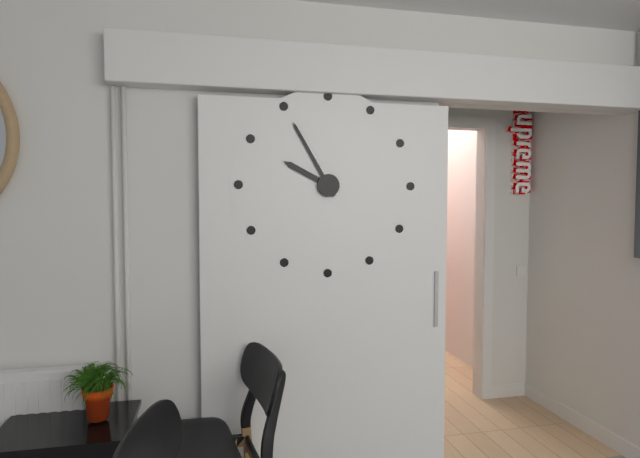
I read **9:55**
